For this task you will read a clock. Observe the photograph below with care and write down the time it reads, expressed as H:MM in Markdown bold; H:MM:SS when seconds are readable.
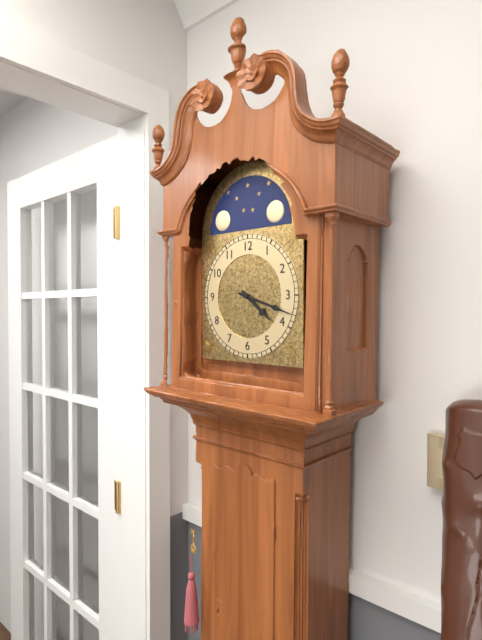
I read **4:18**
